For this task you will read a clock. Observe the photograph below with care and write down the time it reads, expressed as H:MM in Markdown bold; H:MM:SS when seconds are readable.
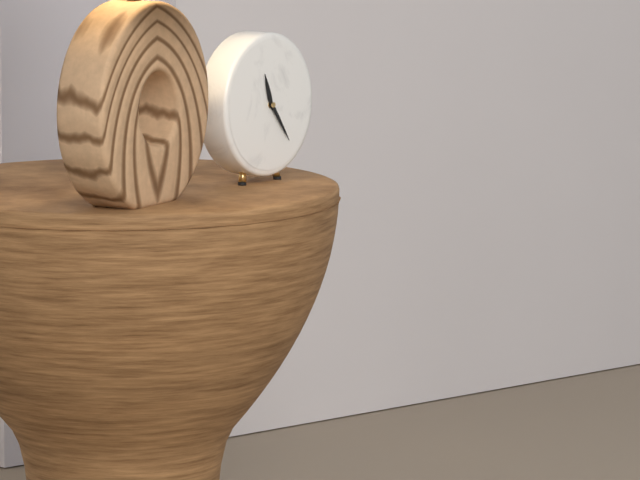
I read **11:24**
